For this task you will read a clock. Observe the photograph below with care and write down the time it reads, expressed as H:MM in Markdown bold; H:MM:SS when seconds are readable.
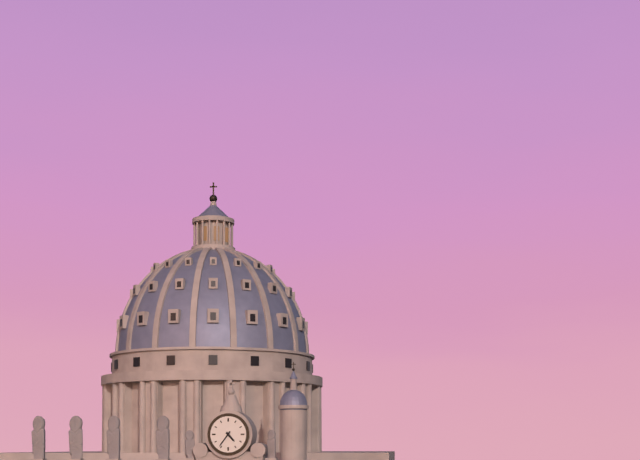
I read **4:36**
